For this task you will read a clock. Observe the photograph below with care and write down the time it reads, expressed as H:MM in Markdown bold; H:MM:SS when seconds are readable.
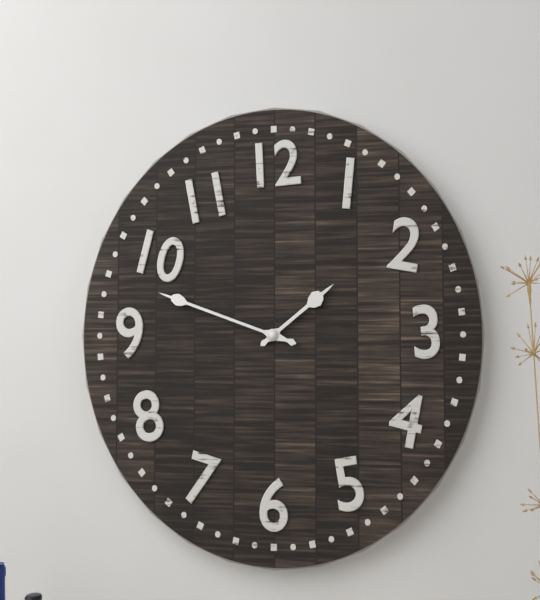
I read **1:48**
